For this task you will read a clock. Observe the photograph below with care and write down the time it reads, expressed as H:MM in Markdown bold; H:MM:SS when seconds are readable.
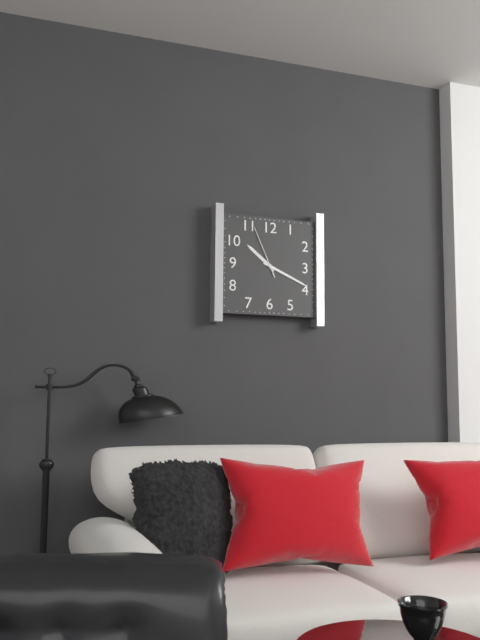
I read **10:19:56**
